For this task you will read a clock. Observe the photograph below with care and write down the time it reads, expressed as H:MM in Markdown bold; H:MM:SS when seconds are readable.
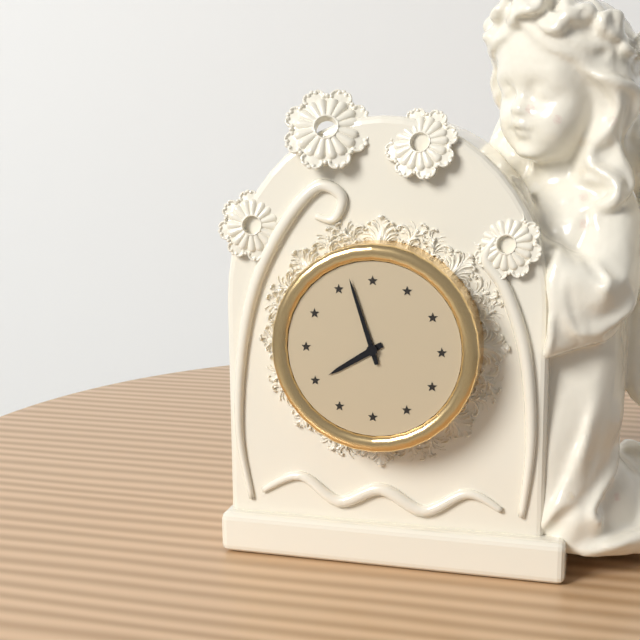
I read **7:57**
